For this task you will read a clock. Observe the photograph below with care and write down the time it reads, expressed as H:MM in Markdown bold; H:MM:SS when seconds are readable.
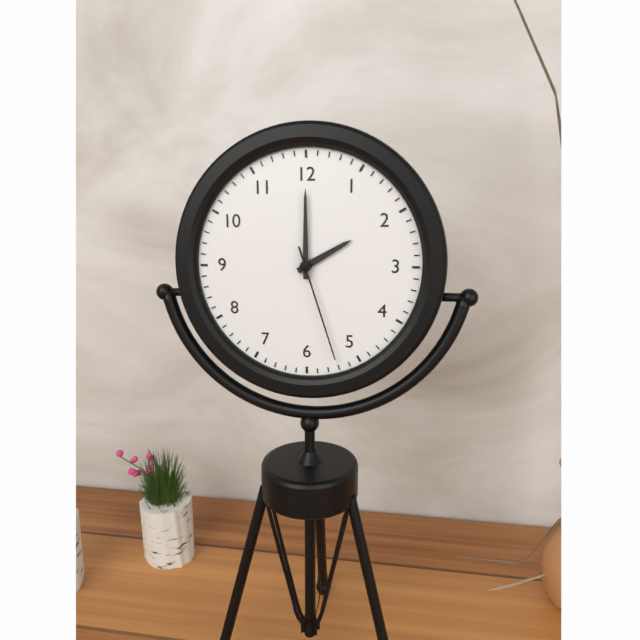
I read **2:00:27**
